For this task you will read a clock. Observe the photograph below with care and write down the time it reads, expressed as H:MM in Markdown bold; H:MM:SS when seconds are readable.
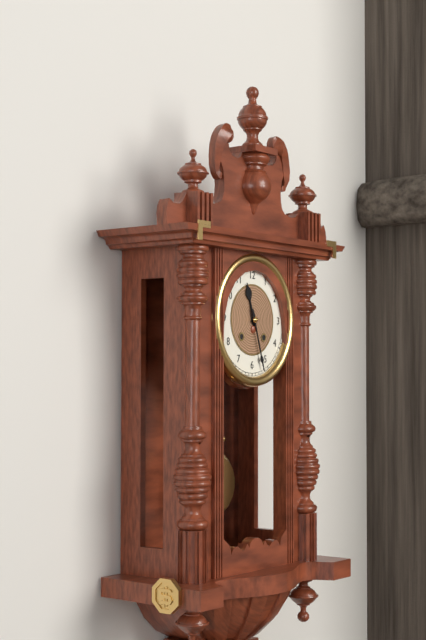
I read **11:27**
